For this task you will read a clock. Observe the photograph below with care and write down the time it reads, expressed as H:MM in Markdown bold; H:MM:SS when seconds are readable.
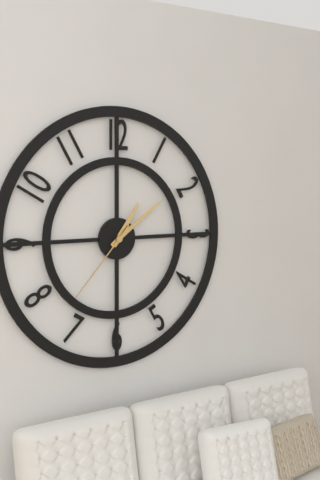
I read **1:09:37**
